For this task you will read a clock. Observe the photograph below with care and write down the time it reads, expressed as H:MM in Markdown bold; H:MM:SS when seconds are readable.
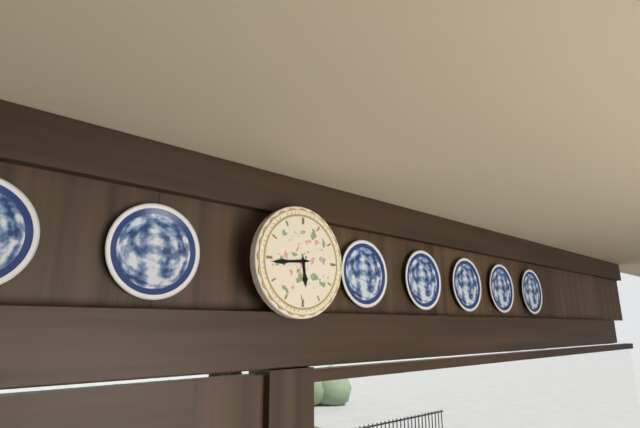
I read **5:44**
